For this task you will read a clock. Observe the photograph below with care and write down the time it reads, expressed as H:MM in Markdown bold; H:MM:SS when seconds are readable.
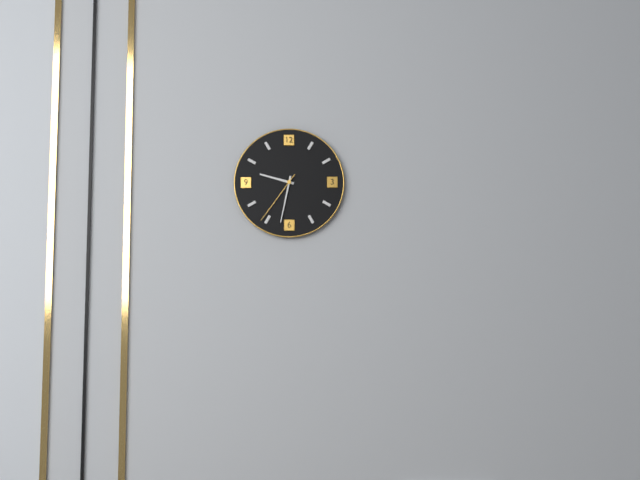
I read **9:32:36**
